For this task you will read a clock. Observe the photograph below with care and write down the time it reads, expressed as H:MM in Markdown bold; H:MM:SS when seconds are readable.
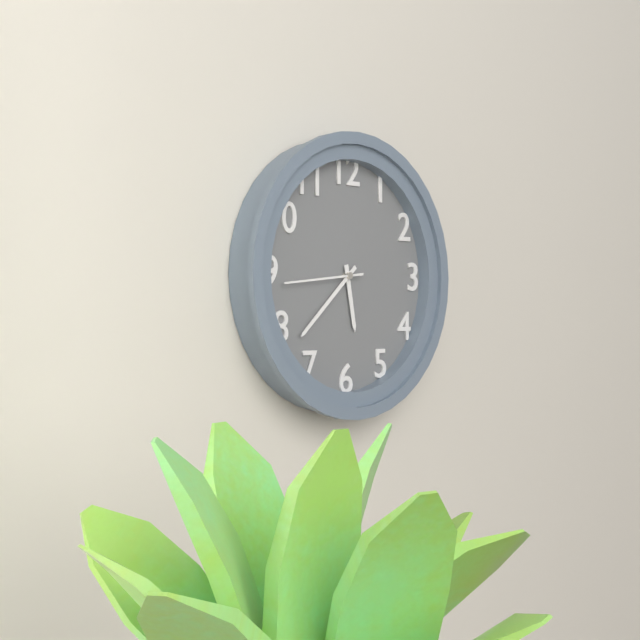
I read **5:38:44**
